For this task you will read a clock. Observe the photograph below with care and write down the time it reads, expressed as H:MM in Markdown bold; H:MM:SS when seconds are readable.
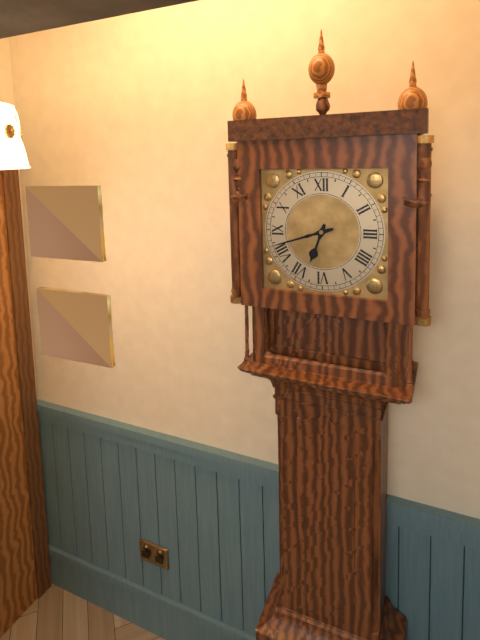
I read **6:42**
